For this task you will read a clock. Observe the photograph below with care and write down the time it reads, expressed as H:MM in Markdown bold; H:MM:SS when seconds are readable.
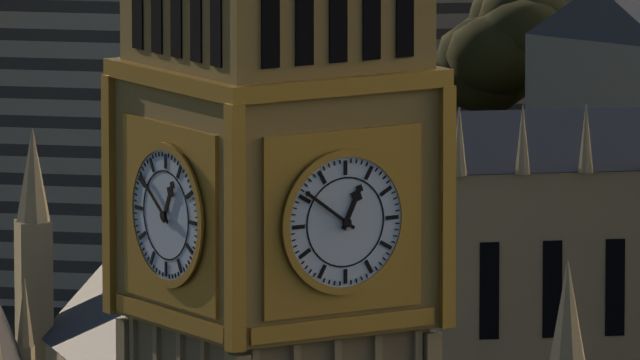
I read **12:51**
